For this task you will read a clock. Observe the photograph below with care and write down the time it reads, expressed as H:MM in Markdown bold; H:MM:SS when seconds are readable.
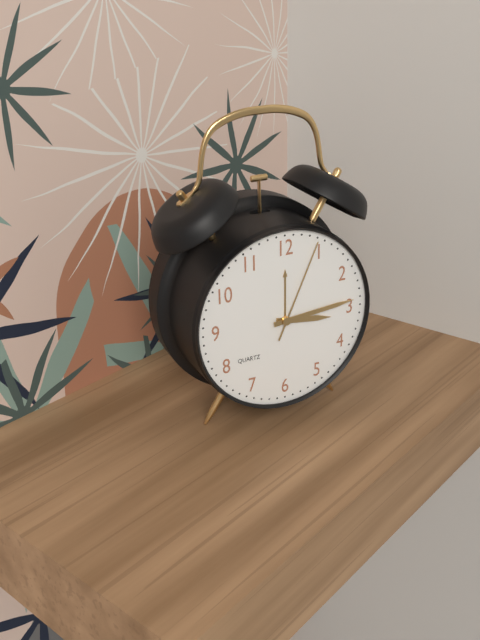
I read **3:14:04**
